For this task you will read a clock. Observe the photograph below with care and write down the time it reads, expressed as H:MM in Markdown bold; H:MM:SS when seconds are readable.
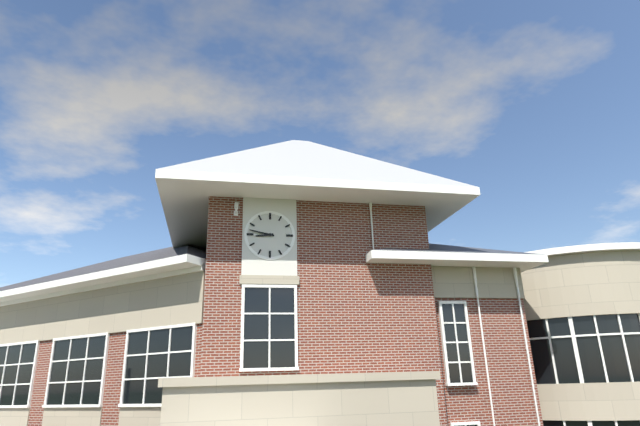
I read **8:47**
